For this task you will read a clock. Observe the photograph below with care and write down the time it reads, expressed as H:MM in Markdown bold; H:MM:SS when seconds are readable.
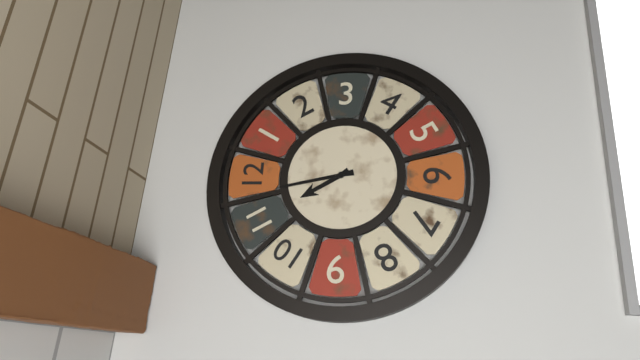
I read **10:58**
